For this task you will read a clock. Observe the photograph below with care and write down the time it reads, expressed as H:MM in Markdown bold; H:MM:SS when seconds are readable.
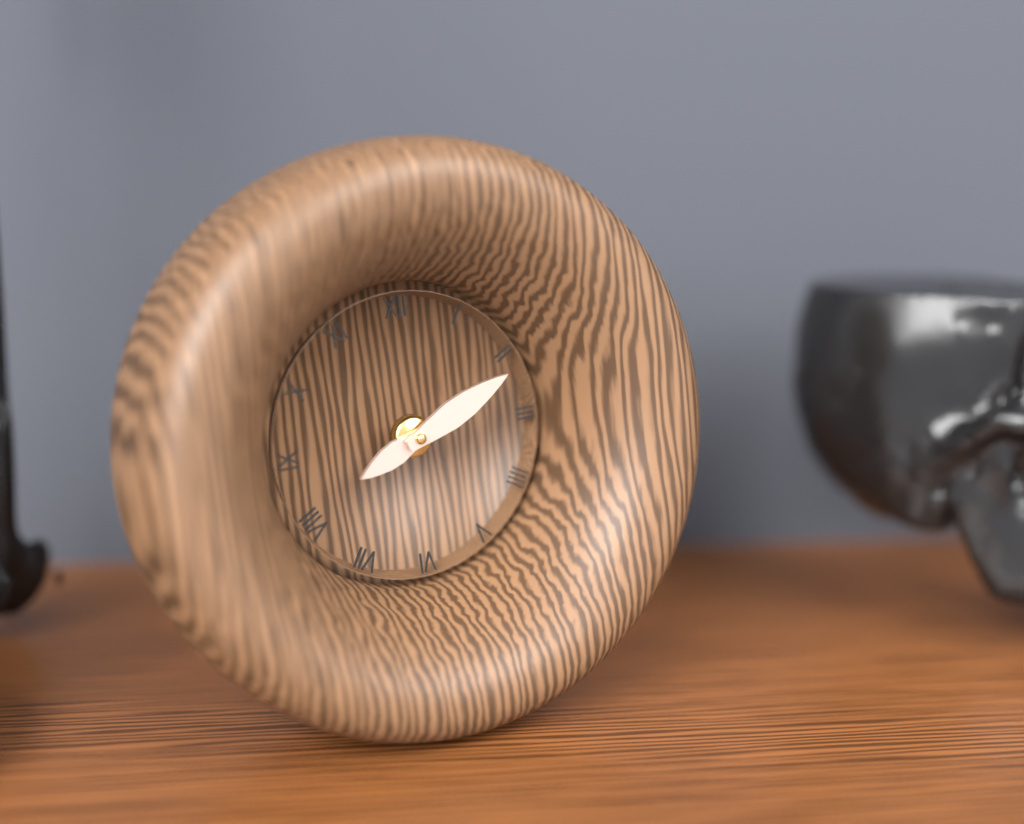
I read **8:11**
